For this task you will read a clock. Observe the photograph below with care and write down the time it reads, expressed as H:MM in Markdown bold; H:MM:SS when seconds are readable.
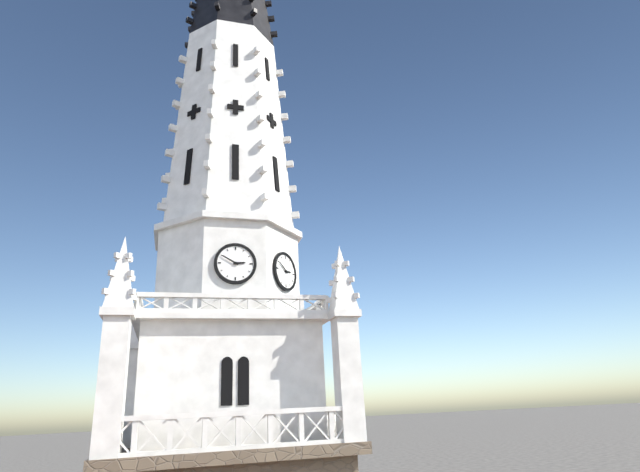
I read **2:50**
